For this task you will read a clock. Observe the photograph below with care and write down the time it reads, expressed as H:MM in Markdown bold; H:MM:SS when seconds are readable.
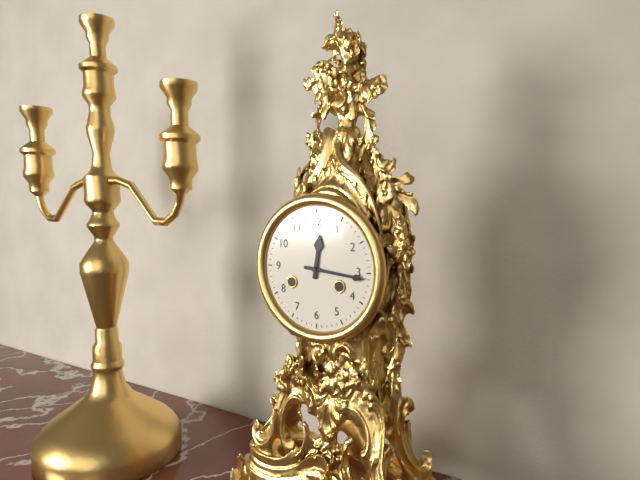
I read **12:16**
